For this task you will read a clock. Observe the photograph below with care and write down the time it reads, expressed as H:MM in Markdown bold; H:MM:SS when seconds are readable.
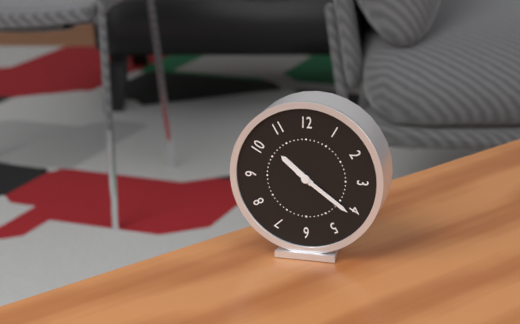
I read **10:21**
